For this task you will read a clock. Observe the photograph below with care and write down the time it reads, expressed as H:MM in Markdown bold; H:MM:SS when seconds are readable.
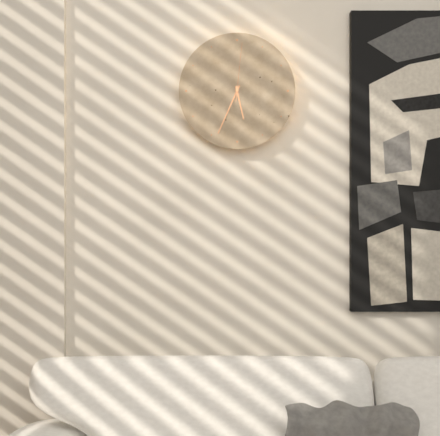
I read **5:34:01**
